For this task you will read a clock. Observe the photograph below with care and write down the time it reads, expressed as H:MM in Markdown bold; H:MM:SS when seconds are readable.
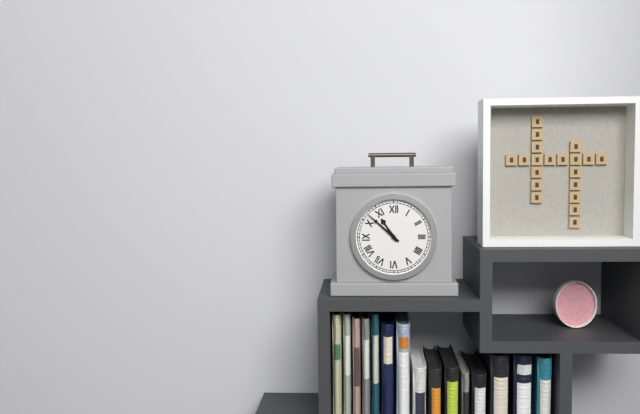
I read **10:52**
